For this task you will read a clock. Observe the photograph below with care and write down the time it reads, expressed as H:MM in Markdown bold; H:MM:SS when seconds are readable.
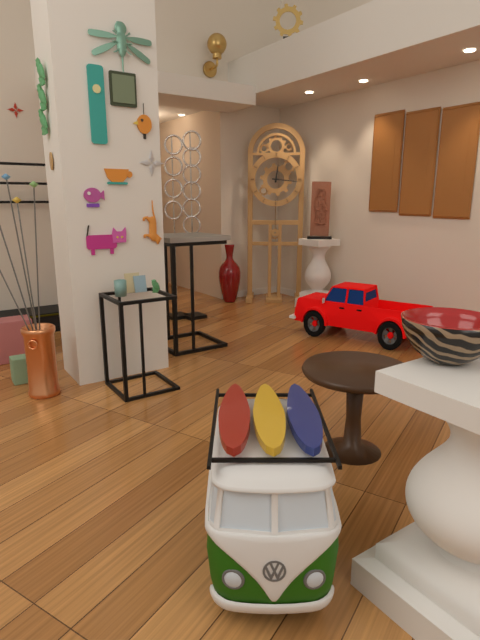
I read **12:16**
